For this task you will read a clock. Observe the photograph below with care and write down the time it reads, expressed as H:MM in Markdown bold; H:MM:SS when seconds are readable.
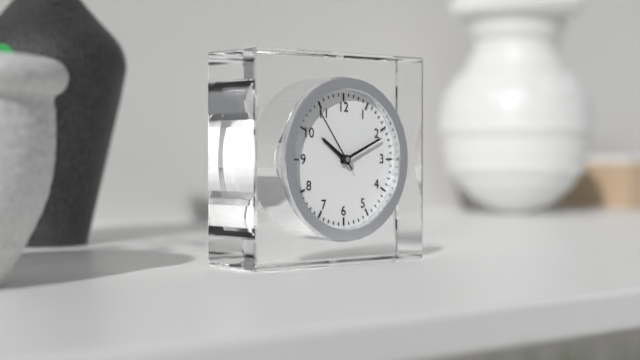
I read **10:11:54**
